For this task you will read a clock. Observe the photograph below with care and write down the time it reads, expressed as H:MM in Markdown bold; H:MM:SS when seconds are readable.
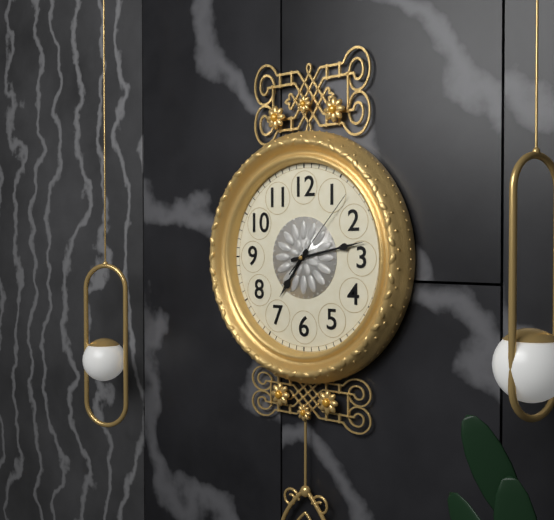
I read **7:13:07**
